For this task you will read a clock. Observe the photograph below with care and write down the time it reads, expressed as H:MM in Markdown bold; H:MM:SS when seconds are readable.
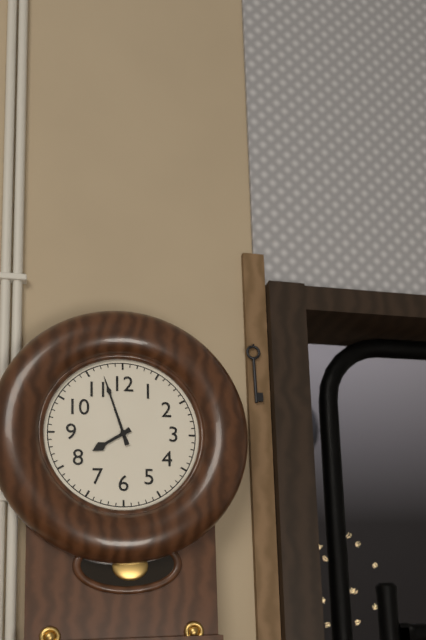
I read **7:57**
